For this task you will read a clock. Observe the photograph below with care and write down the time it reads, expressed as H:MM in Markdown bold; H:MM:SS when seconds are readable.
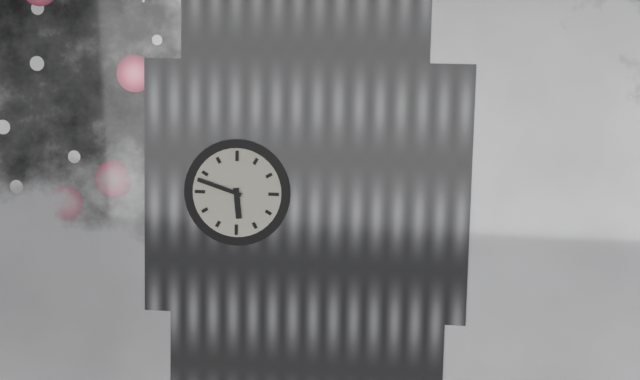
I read **5:48**
